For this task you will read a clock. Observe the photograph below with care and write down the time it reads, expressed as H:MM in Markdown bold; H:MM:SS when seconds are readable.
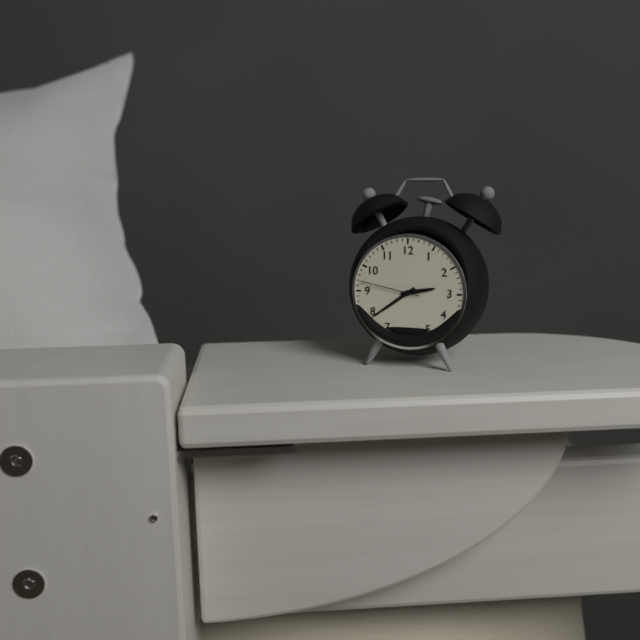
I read **2:39:47**
